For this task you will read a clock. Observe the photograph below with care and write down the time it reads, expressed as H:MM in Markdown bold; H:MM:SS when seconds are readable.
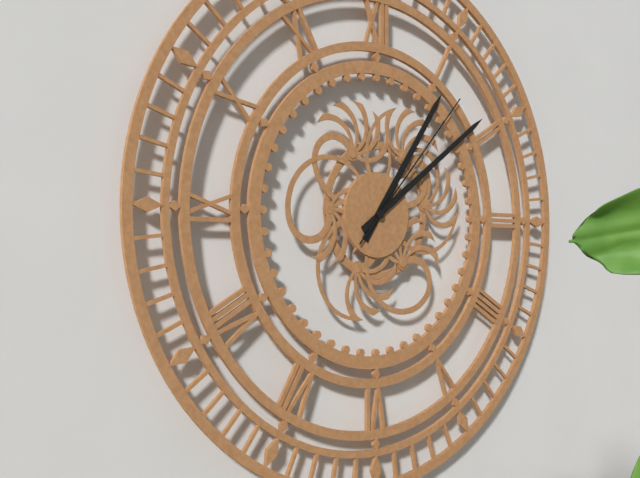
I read **1:09:07**
